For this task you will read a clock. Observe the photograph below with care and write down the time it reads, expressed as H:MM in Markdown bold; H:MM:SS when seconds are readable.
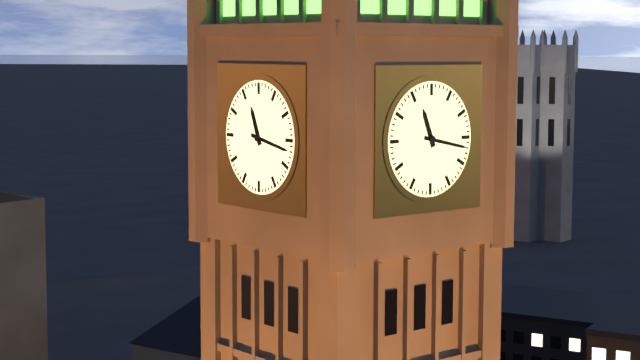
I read **11:17**
